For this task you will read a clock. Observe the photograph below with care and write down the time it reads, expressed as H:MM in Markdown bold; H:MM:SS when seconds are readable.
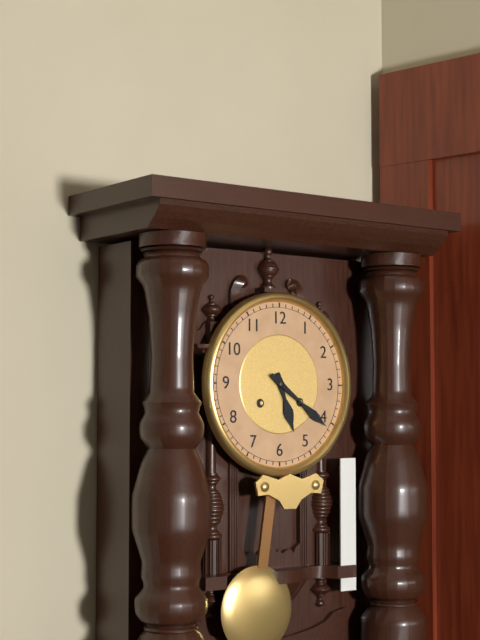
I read **5:21**
